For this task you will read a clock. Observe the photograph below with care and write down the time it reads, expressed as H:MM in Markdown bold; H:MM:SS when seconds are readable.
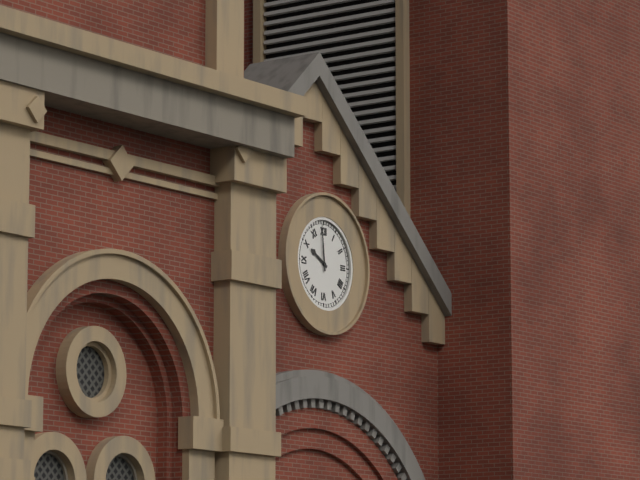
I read **9:59**
